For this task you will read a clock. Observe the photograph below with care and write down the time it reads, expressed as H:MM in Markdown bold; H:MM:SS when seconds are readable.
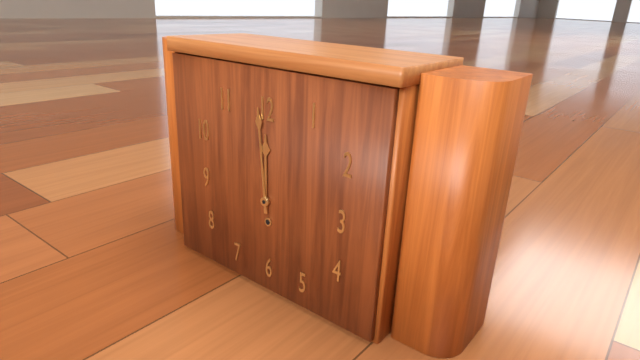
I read **11:59**
